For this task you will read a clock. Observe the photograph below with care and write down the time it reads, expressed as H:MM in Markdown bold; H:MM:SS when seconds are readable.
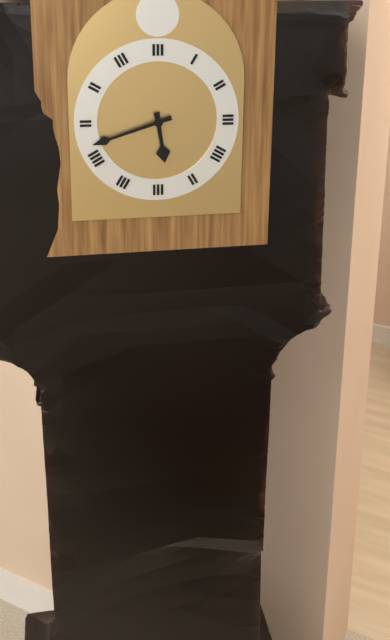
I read **5:42**
